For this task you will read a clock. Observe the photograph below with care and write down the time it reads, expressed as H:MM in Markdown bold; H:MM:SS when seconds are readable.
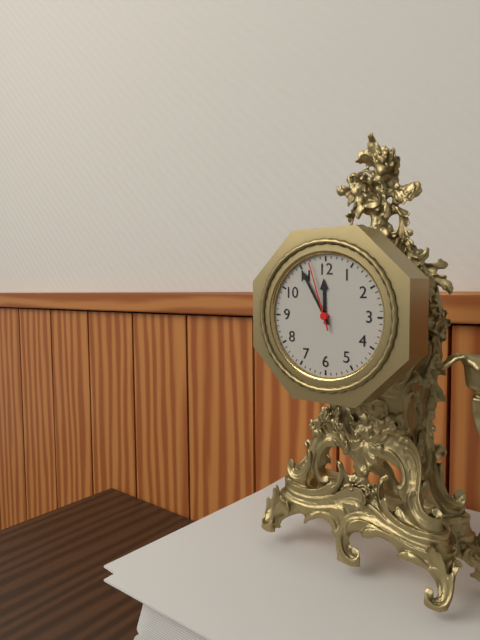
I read **11:55:57**
